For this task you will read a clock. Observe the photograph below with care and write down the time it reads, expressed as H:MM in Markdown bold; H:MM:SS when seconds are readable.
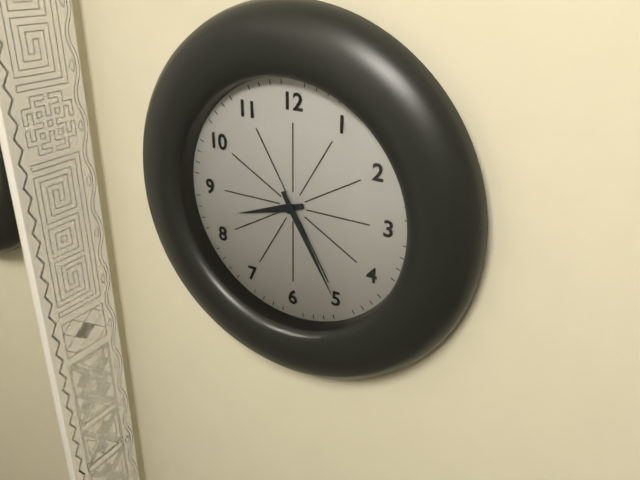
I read **8:25**
